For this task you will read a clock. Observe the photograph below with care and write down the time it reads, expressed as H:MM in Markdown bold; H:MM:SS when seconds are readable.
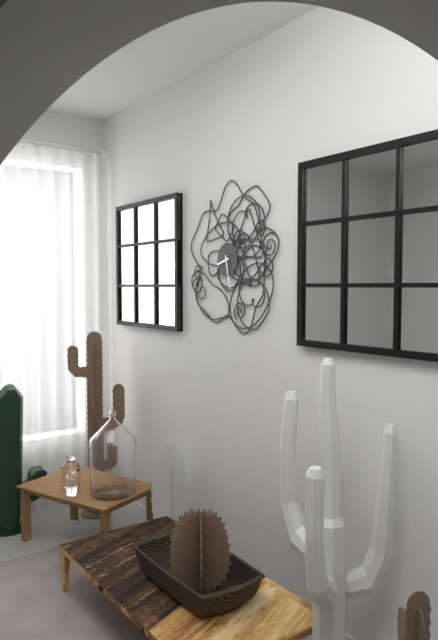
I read **8:28**
